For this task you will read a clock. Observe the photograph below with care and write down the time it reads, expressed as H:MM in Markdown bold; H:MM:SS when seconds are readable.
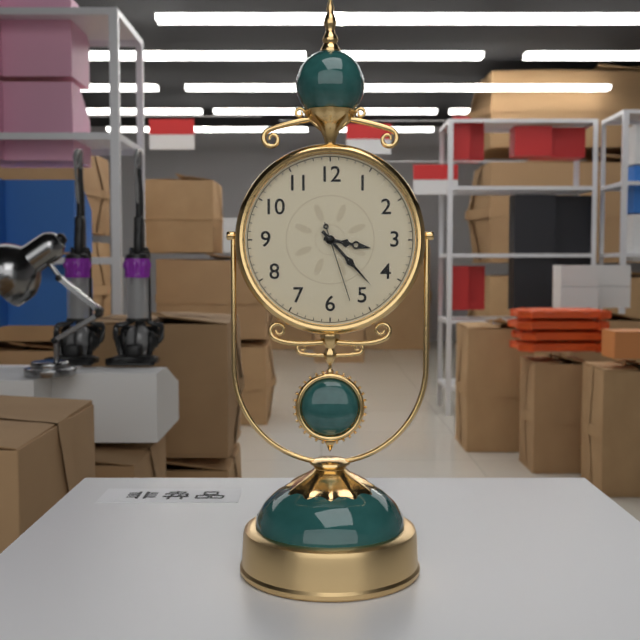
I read **3:23:27**
